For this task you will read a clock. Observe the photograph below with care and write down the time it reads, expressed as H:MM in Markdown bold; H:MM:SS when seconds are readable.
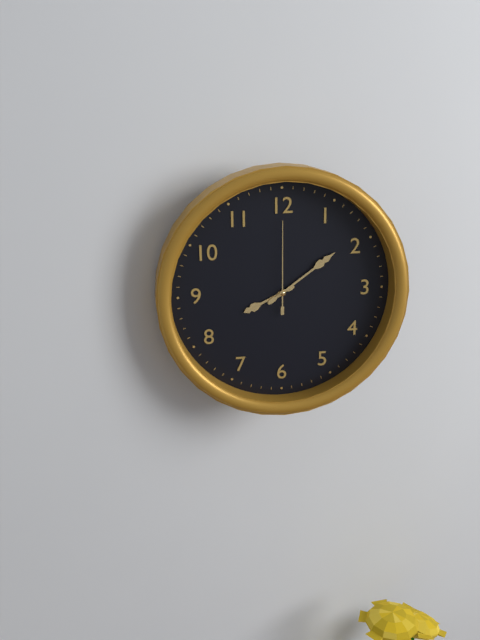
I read **8:09:00**
